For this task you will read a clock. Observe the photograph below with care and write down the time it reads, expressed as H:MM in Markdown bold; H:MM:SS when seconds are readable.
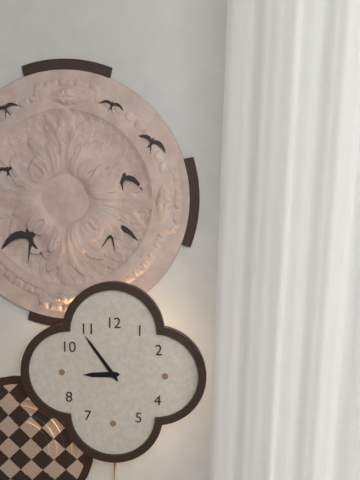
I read **8:54**
